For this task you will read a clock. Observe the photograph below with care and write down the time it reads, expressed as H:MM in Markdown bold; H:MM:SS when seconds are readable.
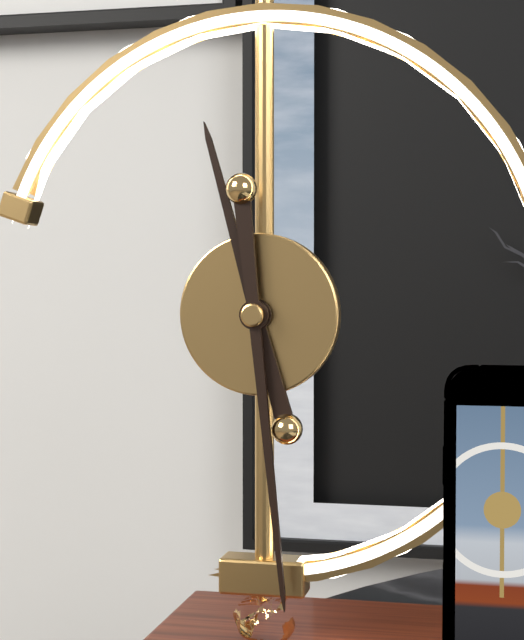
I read **11:29**
